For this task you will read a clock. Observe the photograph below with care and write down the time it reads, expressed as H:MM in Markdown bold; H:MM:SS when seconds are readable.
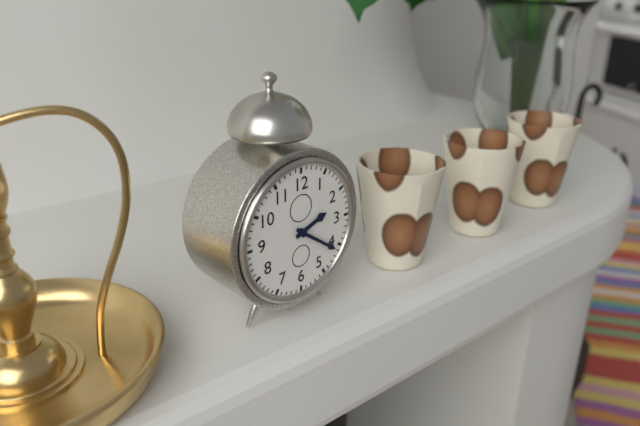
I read **2:21**
